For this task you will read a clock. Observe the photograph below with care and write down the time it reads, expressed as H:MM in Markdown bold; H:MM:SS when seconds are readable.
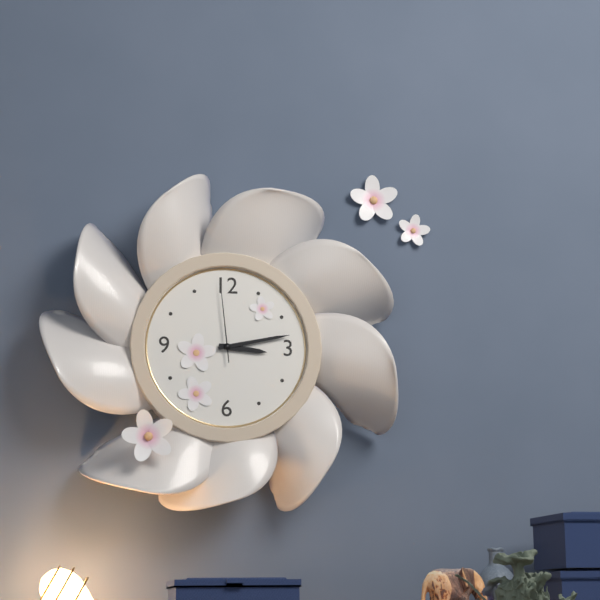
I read **3:13:59**
